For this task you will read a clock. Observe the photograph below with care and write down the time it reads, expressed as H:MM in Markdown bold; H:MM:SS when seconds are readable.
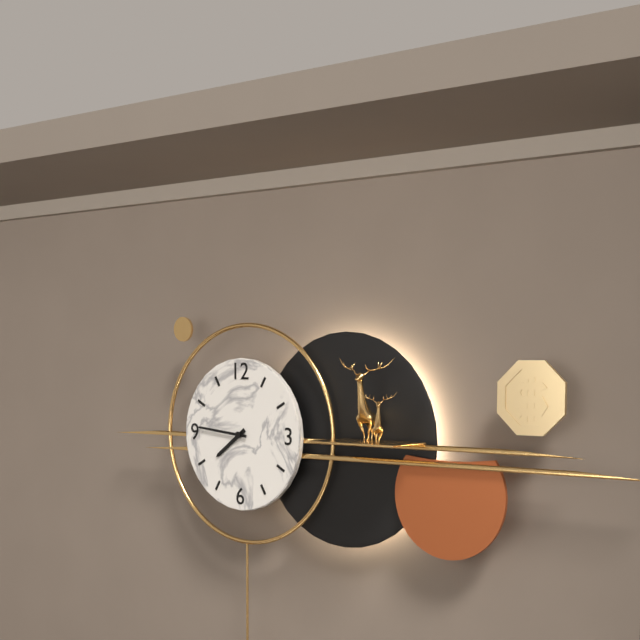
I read **7:46**
